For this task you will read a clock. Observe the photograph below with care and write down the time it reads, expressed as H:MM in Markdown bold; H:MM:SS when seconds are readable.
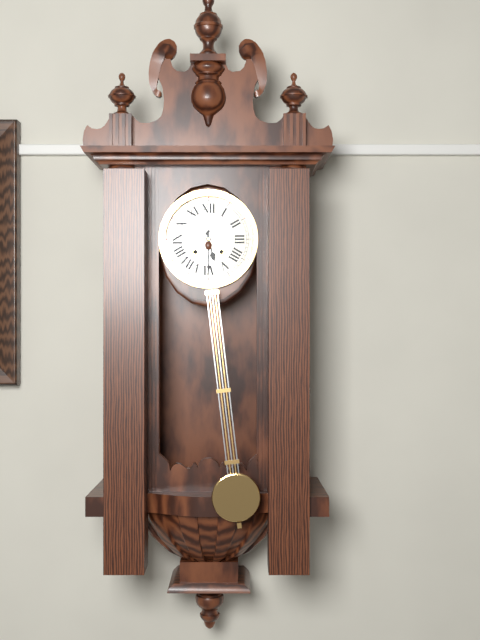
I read **5:30**
